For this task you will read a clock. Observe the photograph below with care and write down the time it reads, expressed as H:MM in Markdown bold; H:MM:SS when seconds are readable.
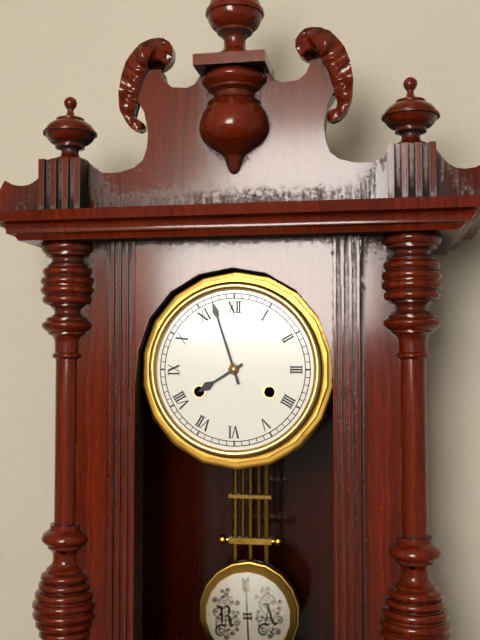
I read **7:57**
